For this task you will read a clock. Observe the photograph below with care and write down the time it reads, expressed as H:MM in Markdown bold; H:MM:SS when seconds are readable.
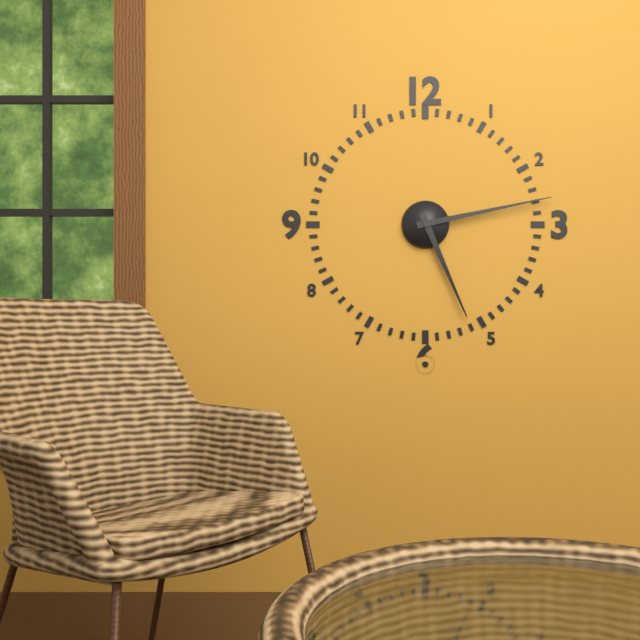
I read **5:13**
